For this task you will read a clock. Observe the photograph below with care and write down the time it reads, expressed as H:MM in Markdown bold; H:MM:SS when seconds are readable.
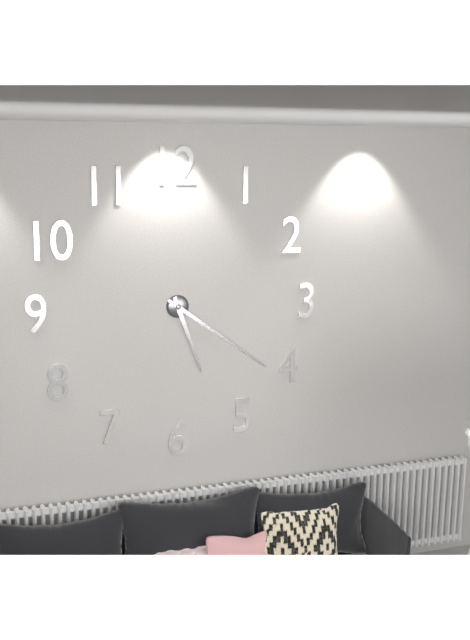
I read **5:21**
